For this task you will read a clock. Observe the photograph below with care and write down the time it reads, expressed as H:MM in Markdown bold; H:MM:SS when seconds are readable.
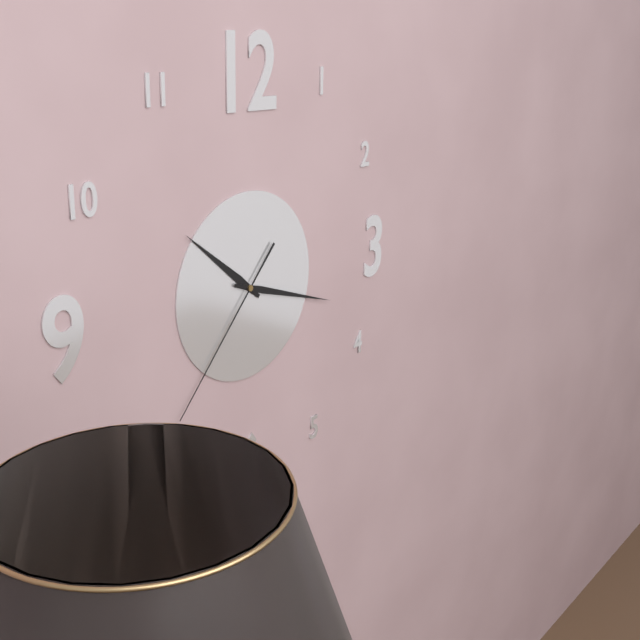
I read **10:18:37**
